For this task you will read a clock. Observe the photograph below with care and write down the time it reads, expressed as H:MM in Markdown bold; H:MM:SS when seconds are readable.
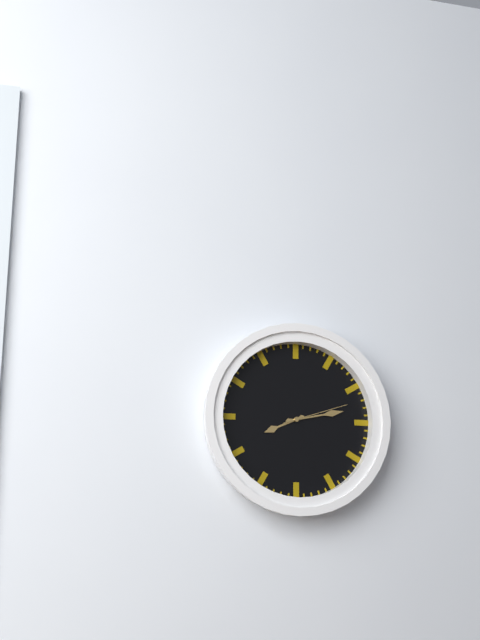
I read **8:13:12**
